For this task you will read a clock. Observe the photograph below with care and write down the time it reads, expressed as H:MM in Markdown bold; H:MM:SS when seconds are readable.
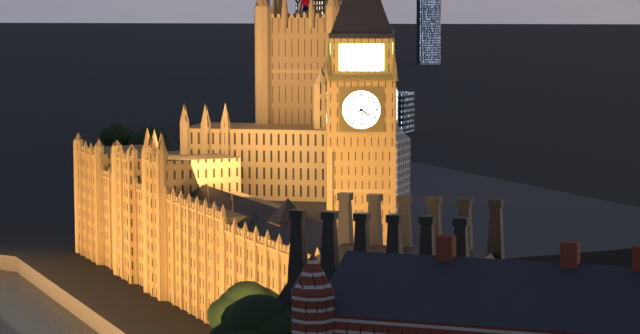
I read **4:08**
